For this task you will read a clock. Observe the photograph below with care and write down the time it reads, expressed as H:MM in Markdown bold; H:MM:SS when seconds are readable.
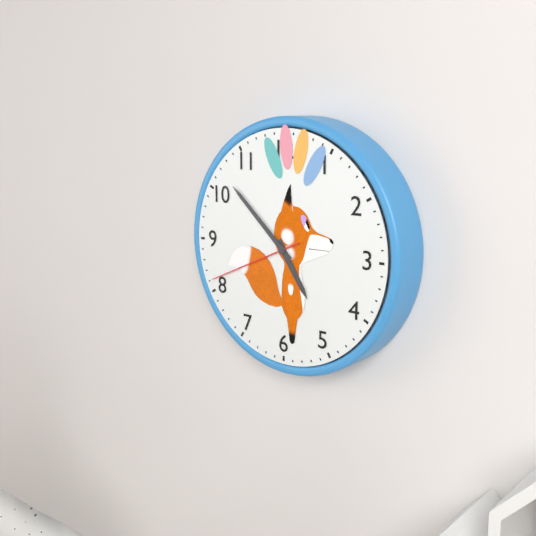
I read **4:52:41**
